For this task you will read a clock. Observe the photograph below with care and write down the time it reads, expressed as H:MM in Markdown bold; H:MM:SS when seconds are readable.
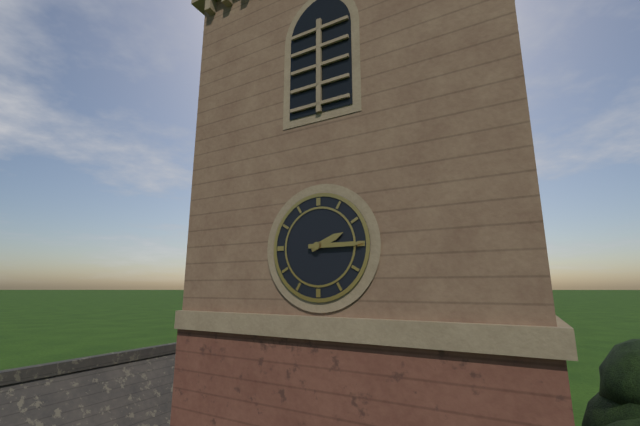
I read **2:15**
